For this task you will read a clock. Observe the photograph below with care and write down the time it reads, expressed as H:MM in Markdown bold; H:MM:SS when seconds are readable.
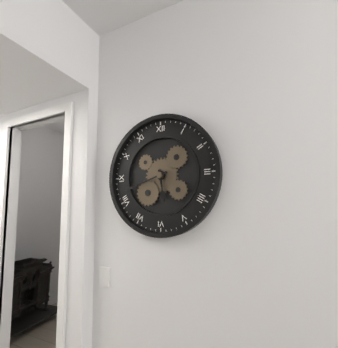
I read **5:42**
